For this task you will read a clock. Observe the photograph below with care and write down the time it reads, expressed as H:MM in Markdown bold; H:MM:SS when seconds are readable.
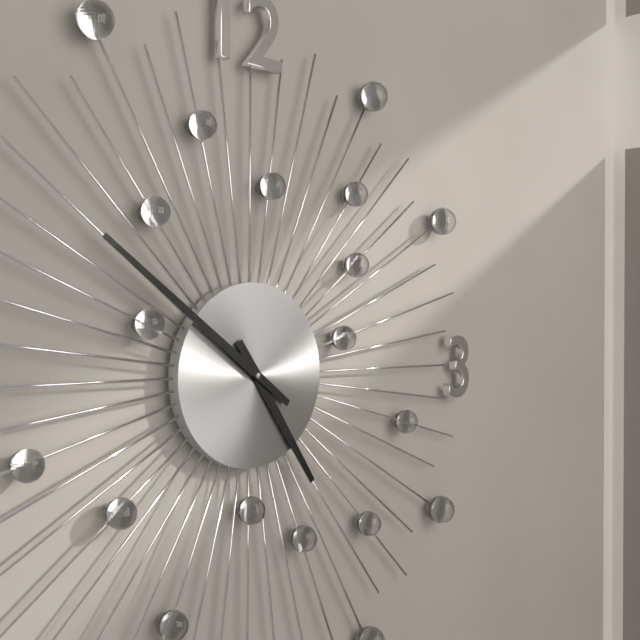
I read **4:51**
